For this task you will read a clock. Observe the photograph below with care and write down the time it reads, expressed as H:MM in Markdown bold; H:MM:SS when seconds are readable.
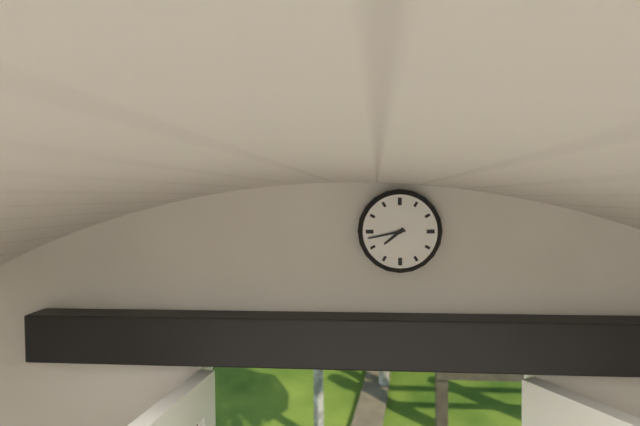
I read **7:43**
